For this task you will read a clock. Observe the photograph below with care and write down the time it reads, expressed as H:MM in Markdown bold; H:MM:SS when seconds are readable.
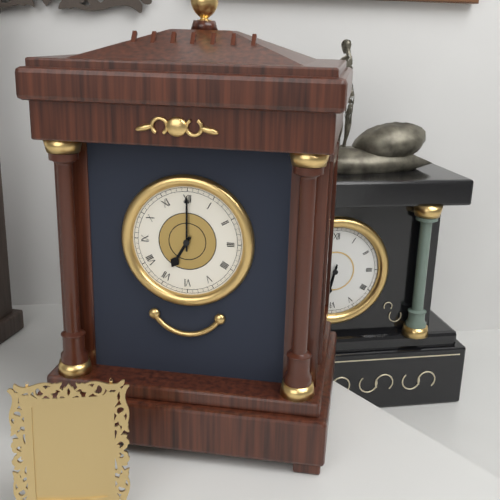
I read **7:00**
